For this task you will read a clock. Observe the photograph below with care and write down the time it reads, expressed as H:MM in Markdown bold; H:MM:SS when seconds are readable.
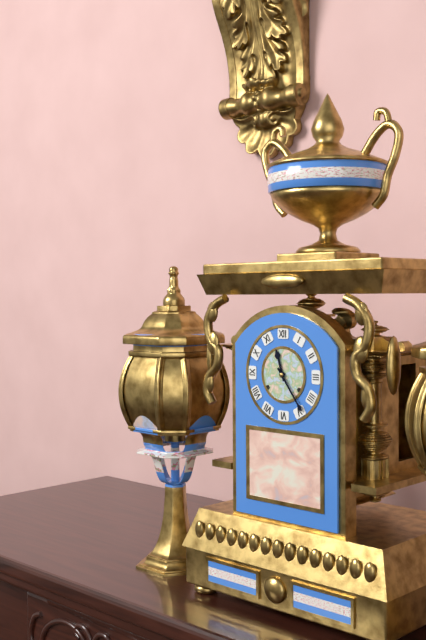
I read **11:24**
